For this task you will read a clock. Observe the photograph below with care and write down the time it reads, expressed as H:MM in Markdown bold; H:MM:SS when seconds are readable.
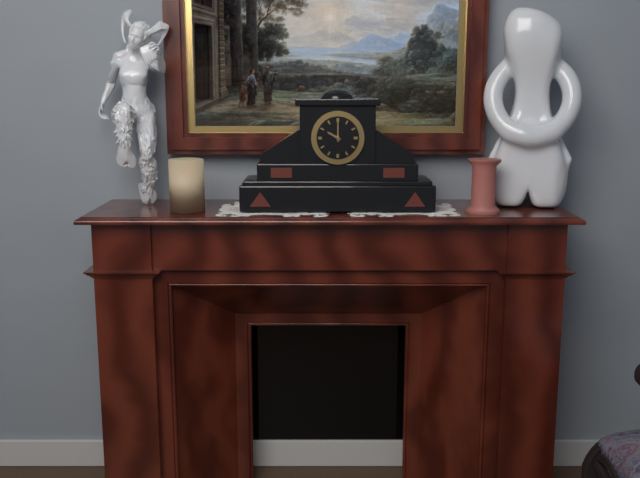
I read **10:00**
